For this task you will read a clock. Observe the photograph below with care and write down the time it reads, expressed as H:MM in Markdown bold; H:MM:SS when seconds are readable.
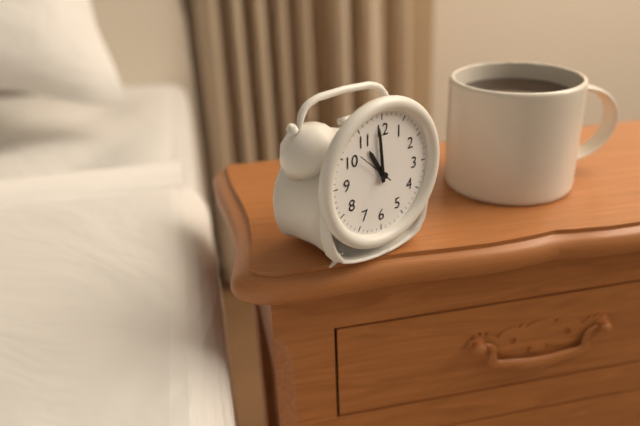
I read **10:59**
